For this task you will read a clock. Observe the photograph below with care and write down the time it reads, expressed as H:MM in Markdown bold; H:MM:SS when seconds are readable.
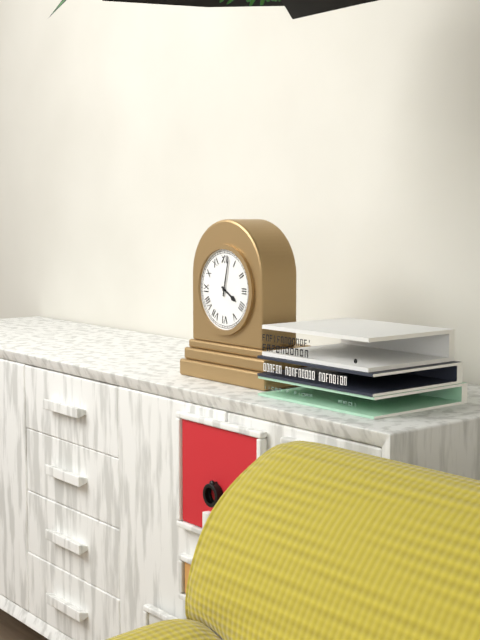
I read **4:02**
